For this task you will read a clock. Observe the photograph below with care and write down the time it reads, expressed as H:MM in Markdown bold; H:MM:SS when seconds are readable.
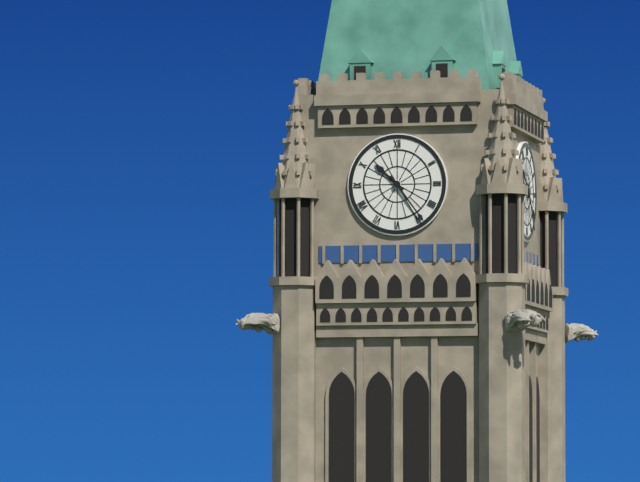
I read **10:24**
